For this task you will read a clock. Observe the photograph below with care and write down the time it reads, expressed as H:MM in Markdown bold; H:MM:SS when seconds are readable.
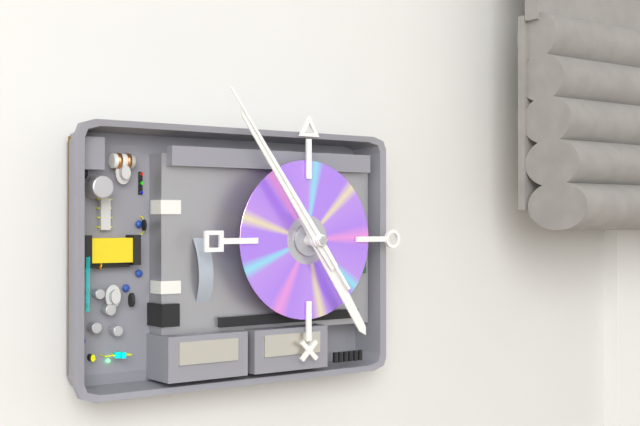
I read **4:54:54**
